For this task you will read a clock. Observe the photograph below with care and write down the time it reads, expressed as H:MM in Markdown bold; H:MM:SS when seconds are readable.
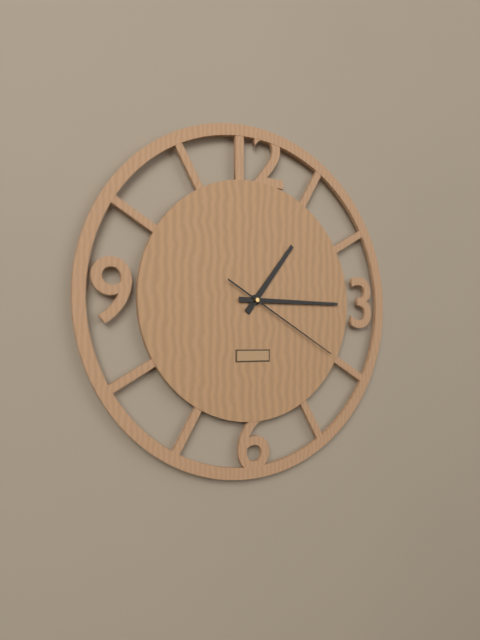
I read **1:15:20**
